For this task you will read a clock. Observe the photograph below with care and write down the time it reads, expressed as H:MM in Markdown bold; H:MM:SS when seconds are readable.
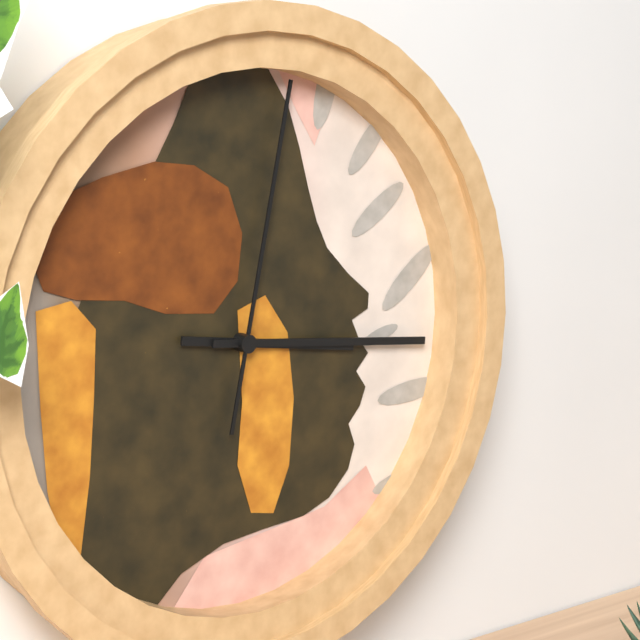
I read **3:16:02**
